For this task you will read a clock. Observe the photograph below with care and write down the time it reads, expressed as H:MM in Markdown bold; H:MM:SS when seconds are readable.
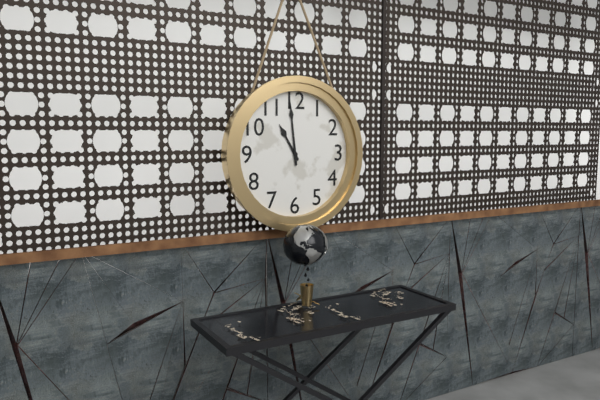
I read **10:59**
